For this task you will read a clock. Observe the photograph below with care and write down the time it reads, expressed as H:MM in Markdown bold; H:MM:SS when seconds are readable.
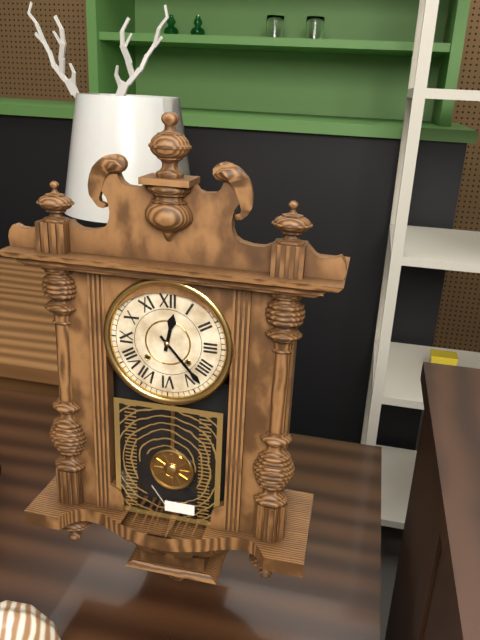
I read **12:23**
